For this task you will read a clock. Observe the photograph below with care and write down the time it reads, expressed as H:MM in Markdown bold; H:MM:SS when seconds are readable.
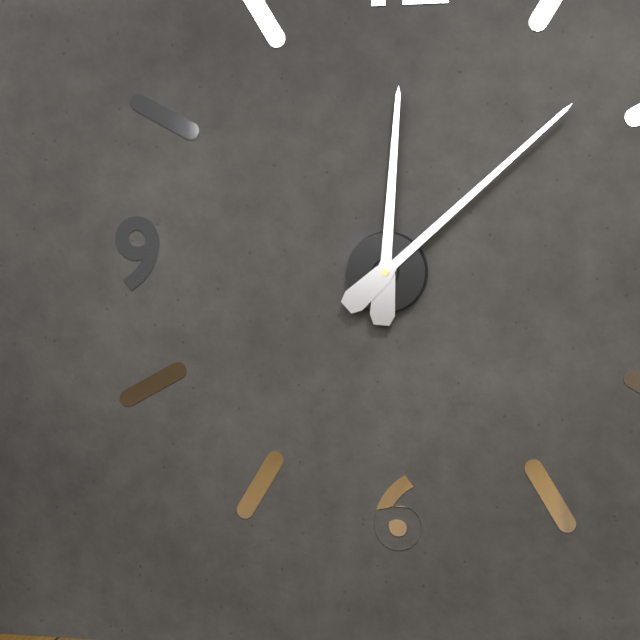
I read **12:08**
